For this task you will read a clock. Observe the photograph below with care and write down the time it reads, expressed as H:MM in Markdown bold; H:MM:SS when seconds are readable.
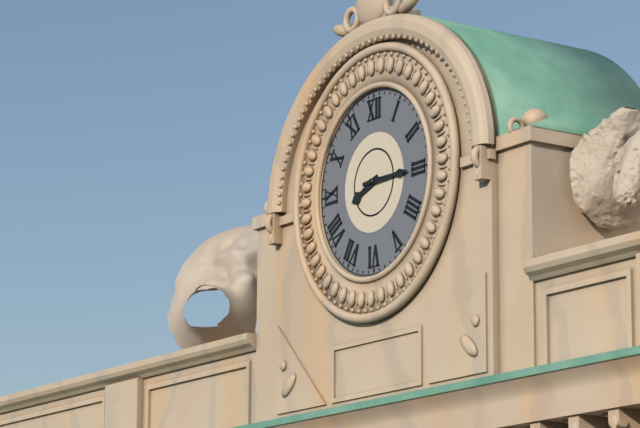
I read **8:15**
